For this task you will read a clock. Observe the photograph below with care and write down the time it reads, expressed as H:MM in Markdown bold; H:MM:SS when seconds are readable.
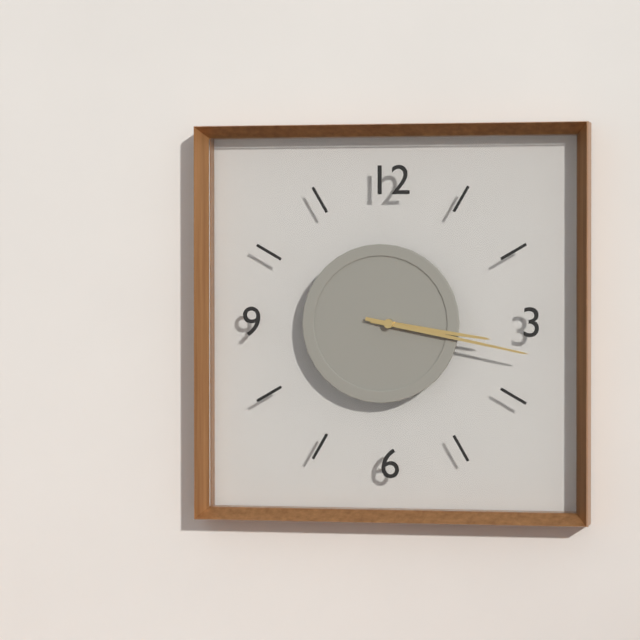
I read **3:17**
